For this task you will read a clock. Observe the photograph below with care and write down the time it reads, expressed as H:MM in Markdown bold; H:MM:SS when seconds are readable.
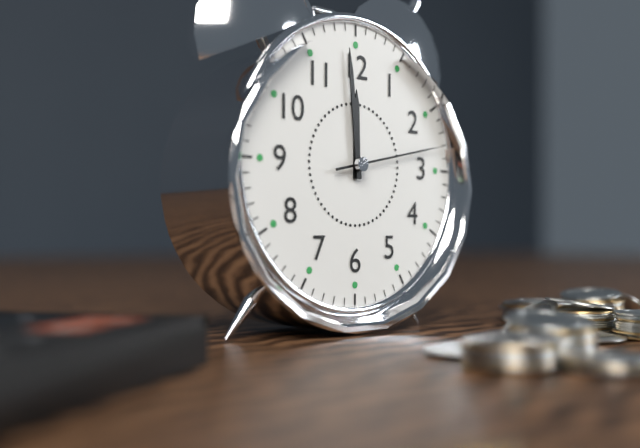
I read **11:59:13**
